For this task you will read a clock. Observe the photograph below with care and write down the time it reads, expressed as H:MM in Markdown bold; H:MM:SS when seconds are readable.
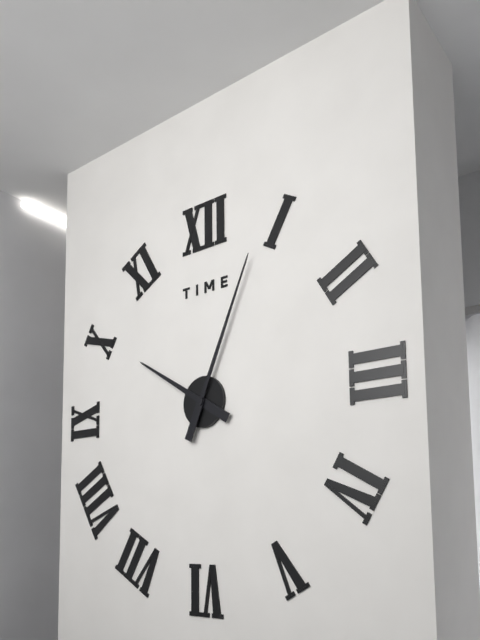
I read **10:04**
